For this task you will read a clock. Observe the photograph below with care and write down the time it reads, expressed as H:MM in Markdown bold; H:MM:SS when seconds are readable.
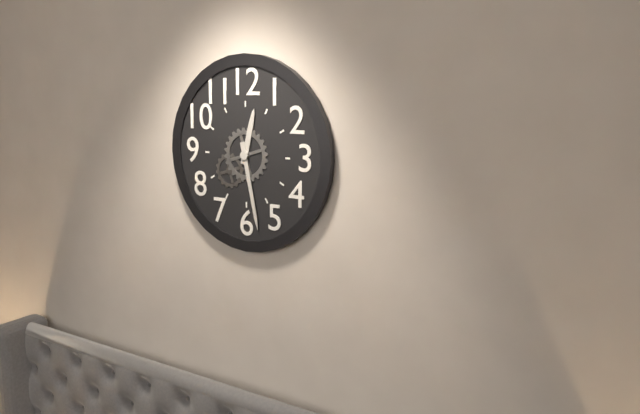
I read **12:28**
